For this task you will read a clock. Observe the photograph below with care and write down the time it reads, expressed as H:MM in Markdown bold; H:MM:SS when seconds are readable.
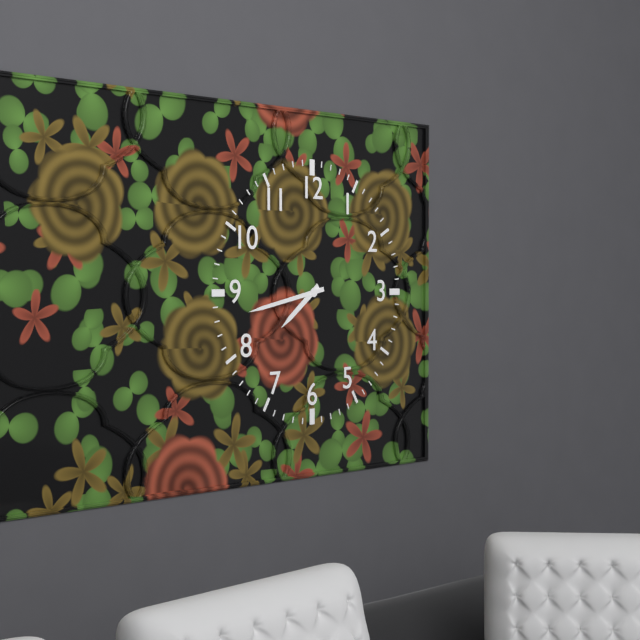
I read **7:43**
